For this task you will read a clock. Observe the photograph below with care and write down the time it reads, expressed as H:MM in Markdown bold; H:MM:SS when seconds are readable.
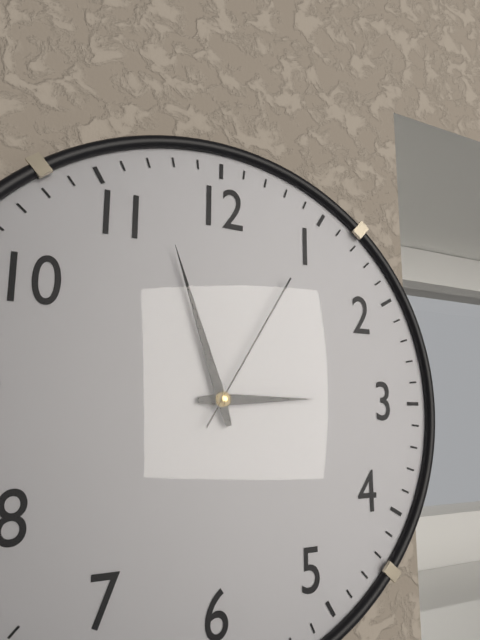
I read **2:57:05**
